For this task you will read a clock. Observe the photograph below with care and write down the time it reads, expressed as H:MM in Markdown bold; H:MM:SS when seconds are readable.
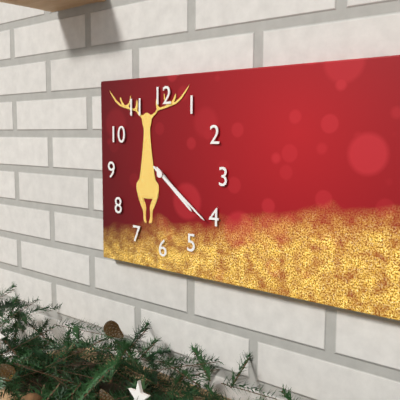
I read **4:21**
